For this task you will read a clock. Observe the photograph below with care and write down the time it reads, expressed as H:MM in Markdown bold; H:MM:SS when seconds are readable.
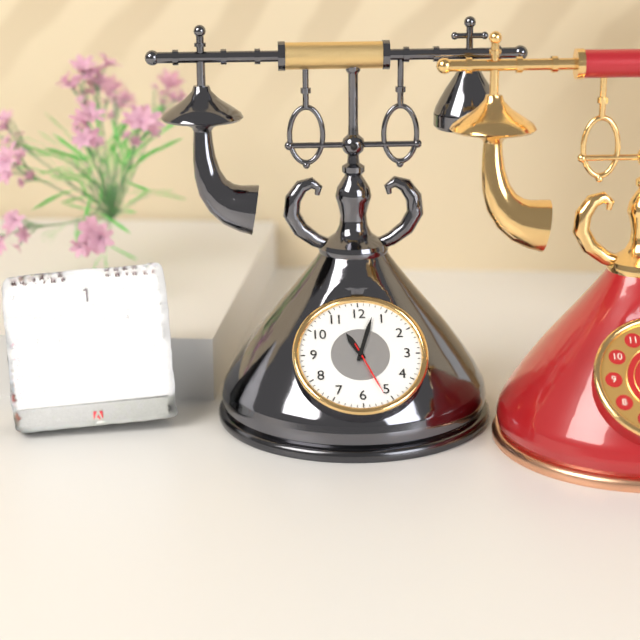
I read **11:03:26**
